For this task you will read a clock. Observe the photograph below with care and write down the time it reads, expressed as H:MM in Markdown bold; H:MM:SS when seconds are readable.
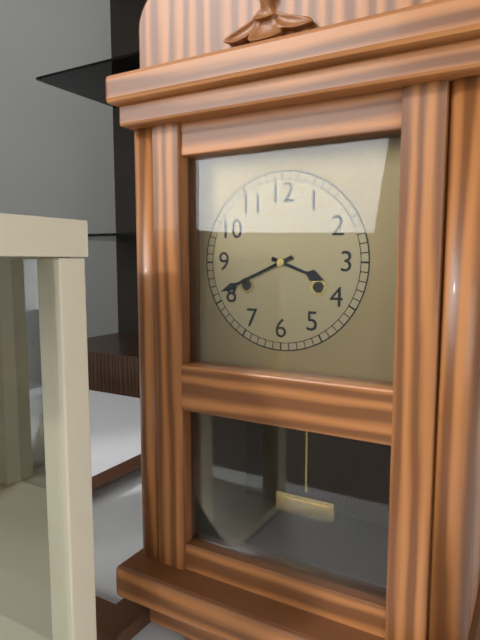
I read **3:41**
